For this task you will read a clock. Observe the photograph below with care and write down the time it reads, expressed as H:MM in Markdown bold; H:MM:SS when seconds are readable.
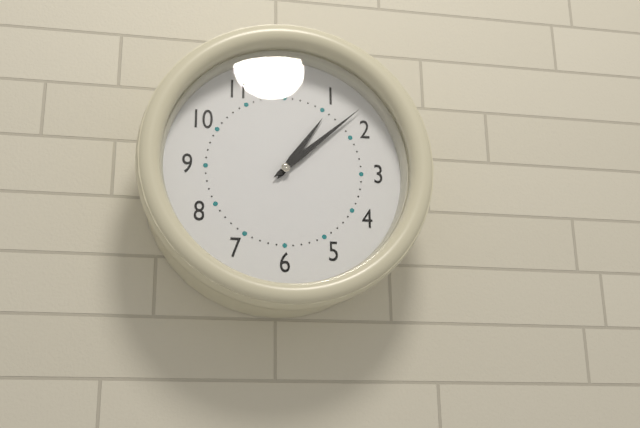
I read **1:08**
